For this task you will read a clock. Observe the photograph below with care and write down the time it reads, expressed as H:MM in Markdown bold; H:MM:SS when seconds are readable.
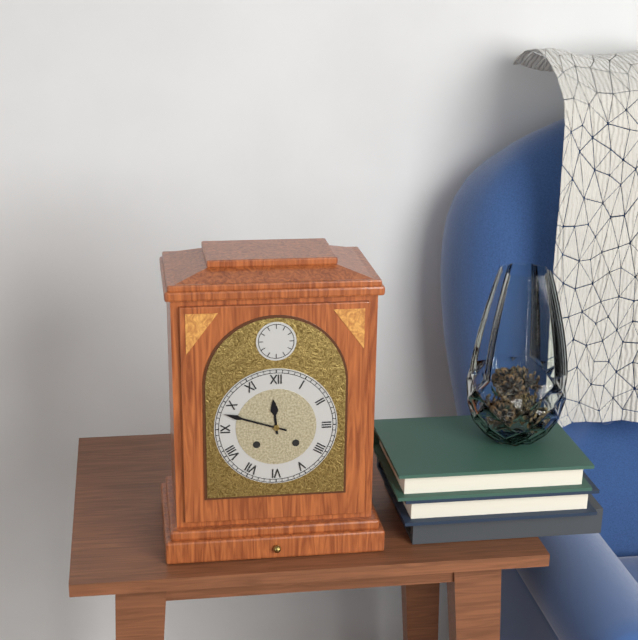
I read **11:48**
